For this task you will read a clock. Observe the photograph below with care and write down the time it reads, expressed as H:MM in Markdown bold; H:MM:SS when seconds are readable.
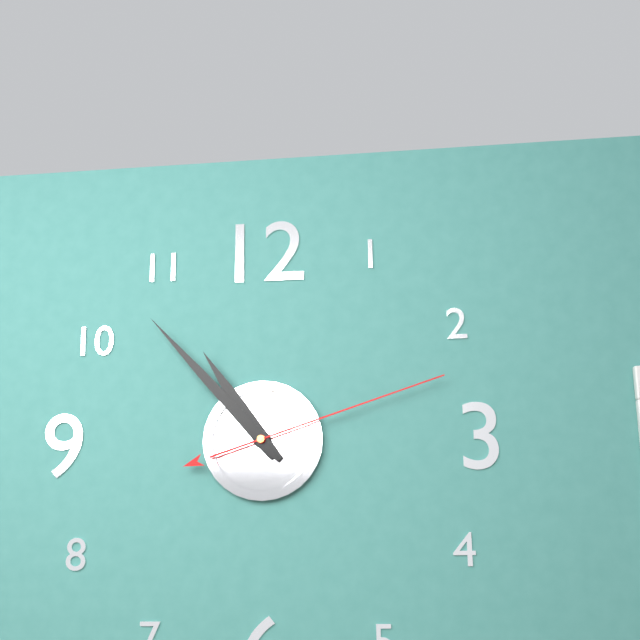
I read **10:53:12**
